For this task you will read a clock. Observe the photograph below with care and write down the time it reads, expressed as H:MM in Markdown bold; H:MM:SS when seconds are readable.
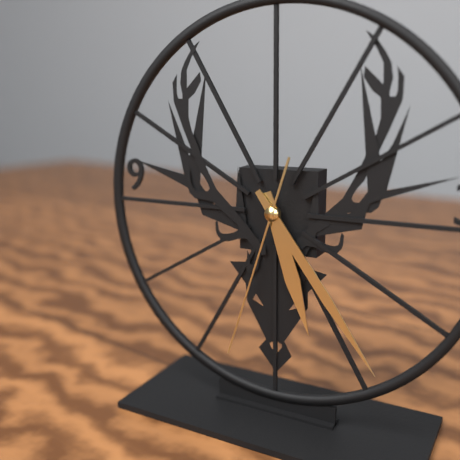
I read **5:24:33**
